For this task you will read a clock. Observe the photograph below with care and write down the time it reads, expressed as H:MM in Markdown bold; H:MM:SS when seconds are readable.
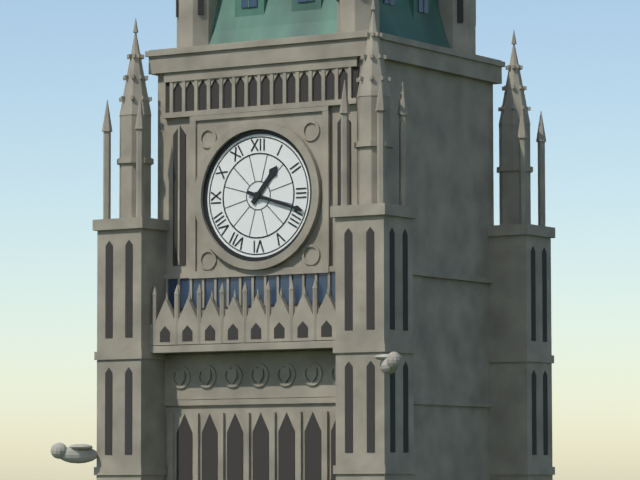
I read **1:18**
